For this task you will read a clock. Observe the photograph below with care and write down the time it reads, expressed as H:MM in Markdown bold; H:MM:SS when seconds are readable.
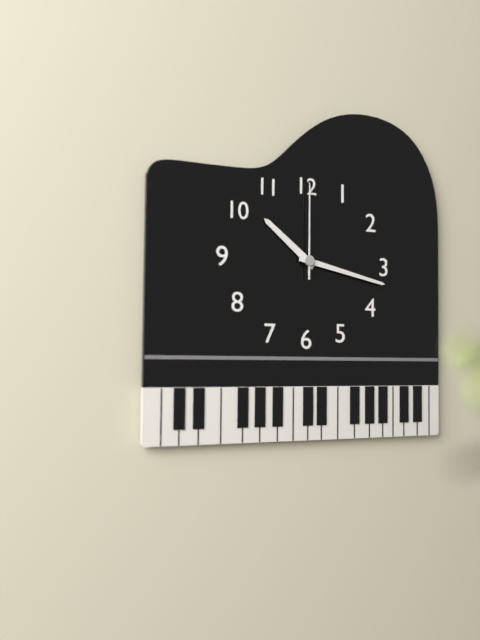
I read **10:17:00**
